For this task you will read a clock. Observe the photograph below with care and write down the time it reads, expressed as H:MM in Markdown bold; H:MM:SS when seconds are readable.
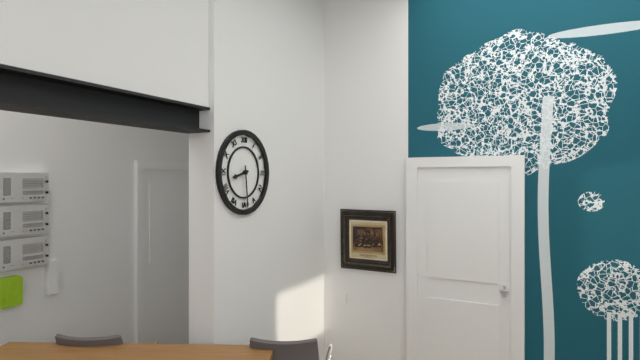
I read **8:29**
